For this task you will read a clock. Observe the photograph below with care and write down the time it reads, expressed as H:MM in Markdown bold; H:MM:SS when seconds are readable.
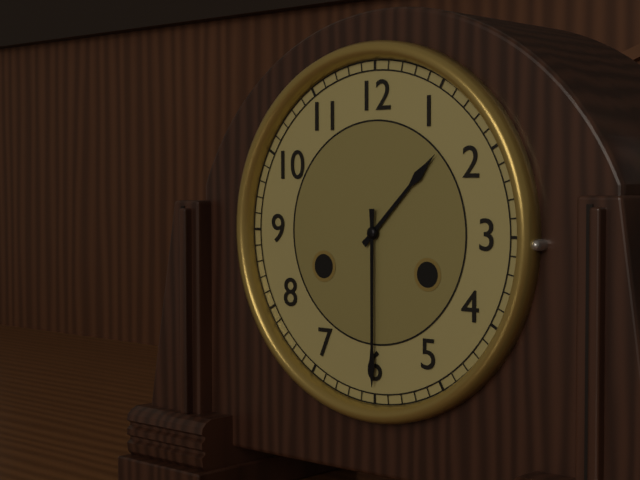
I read **1:30**
